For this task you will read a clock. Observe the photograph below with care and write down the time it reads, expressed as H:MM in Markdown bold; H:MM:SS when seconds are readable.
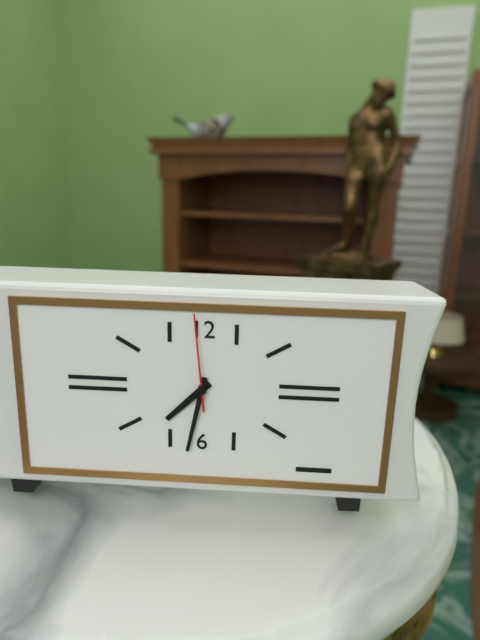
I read **7:32:59**
